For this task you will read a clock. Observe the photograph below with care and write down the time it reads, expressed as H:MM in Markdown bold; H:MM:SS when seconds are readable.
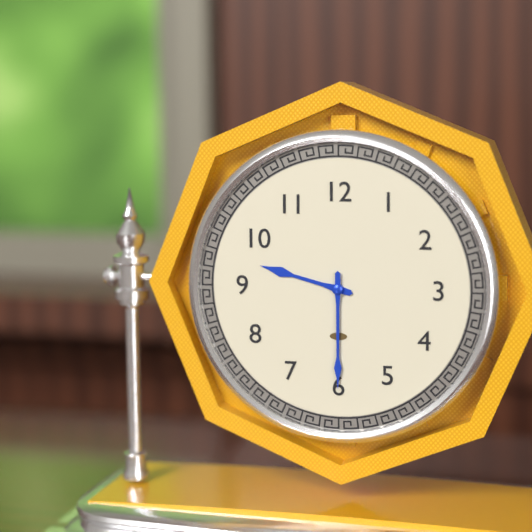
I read **9:30**
